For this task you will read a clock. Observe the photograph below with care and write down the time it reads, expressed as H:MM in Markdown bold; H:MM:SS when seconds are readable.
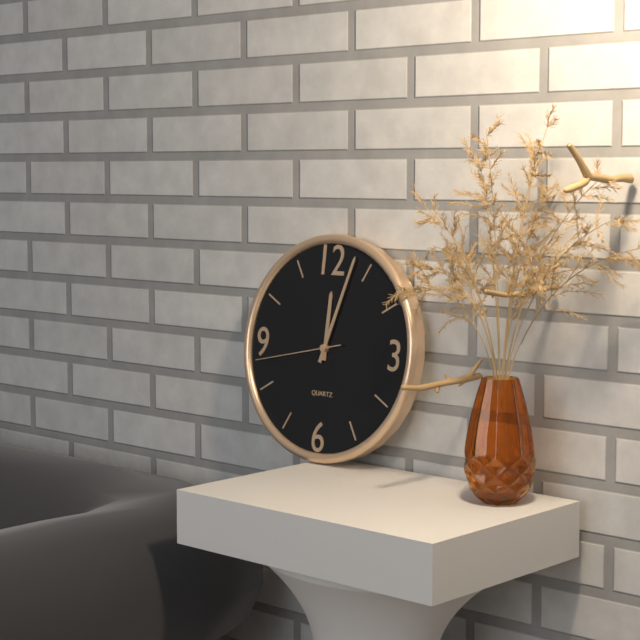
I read **12:03:43**
